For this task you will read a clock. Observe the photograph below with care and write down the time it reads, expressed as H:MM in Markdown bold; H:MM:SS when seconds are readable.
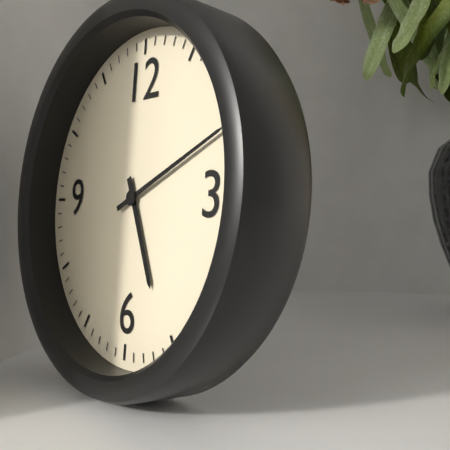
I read **5:11**
